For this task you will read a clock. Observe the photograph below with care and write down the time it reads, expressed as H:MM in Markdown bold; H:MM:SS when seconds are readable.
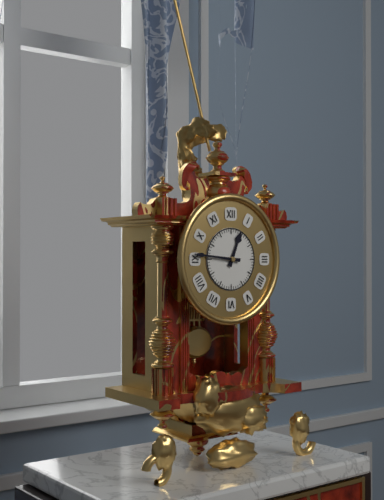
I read **12:46**
